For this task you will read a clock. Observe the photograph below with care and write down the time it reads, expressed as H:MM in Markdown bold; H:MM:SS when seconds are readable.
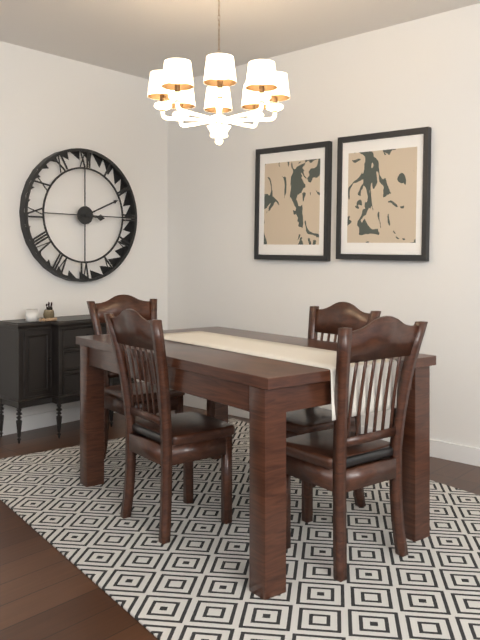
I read **3:11**
